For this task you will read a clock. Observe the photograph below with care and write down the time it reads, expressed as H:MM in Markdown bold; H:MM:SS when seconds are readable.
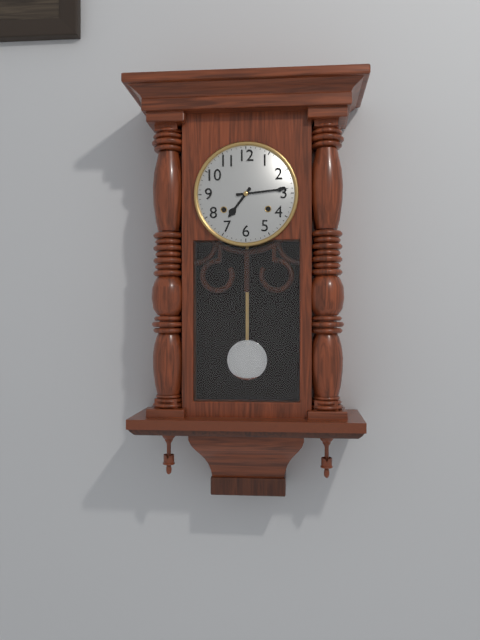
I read **7:14**
